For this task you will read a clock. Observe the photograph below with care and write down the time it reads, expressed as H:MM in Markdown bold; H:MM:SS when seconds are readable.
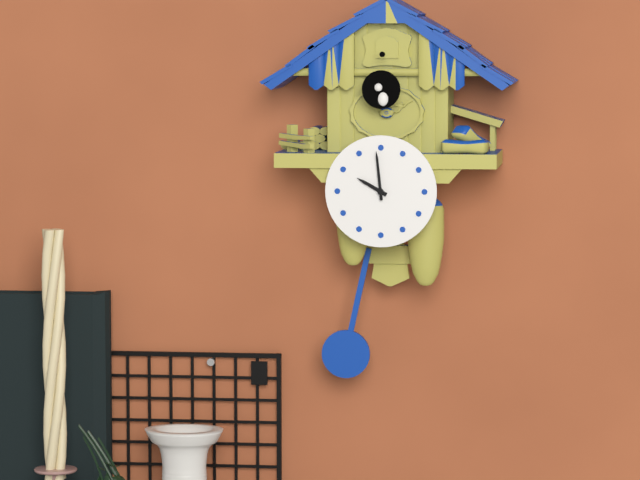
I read **9:59**
